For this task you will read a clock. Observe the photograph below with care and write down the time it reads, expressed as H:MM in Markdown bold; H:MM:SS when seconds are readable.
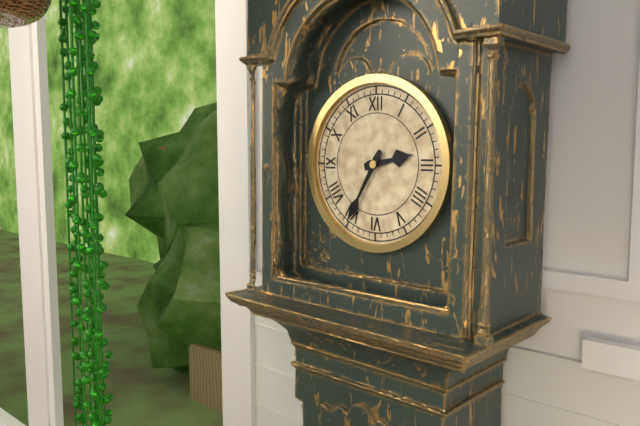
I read **2:35**
